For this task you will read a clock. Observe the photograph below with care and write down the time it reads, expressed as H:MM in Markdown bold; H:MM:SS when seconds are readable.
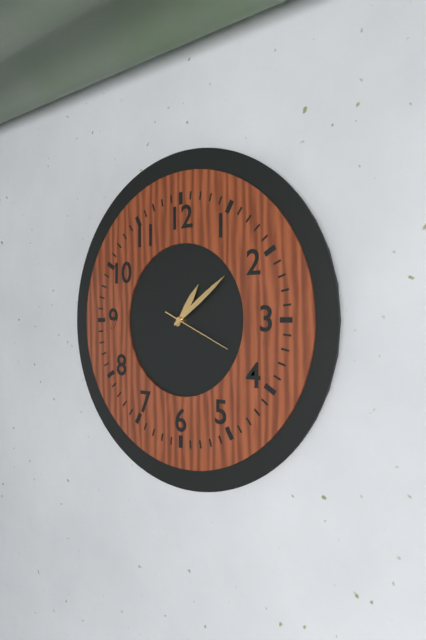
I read **1:09:19**
